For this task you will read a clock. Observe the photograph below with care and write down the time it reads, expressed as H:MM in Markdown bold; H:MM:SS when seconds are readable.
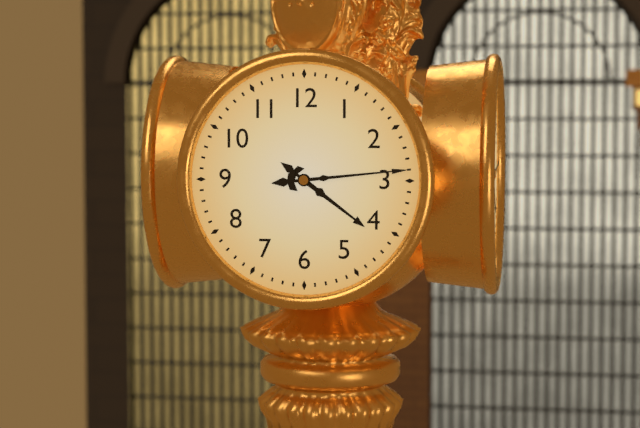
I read **4:14**
